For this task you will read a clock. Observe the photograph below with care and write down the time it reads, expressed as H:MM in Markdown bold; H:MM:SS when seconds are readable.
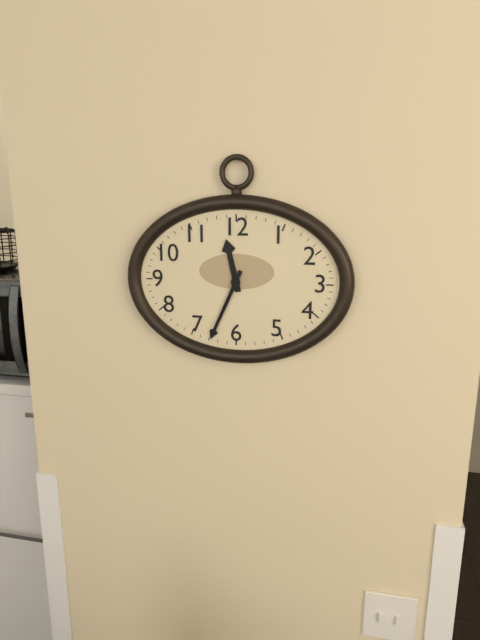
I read **11:34**
